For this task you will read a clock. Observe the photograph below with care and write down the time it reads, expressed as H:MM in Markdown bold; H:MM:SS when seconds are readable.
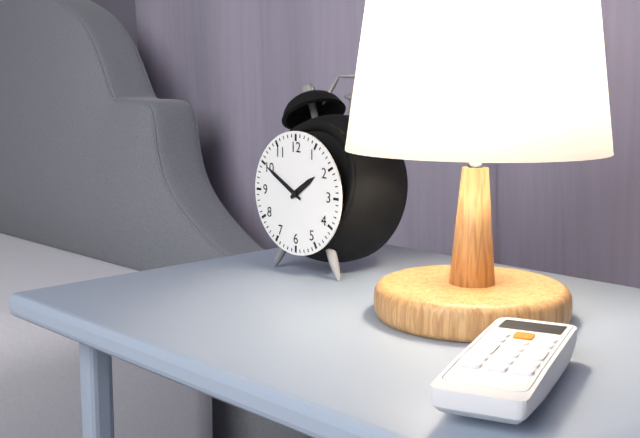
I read **1:50**
